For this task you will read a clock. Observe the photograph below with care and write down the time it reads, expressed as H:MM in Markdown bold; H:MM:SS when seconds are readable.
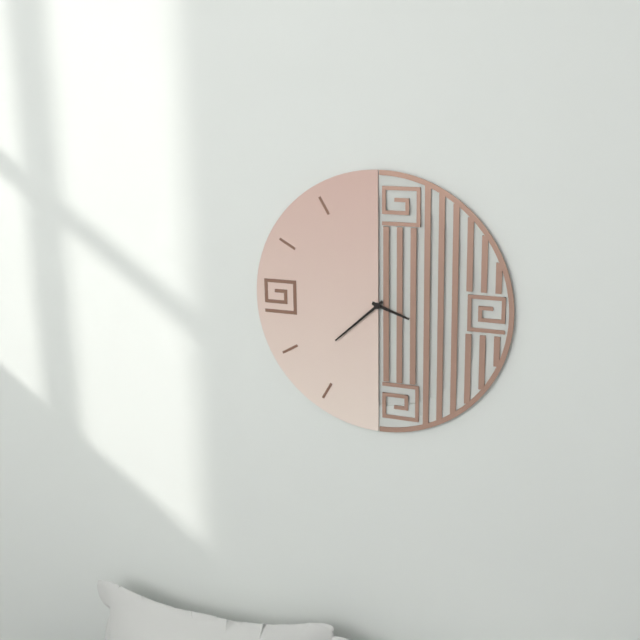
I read **3:38**
